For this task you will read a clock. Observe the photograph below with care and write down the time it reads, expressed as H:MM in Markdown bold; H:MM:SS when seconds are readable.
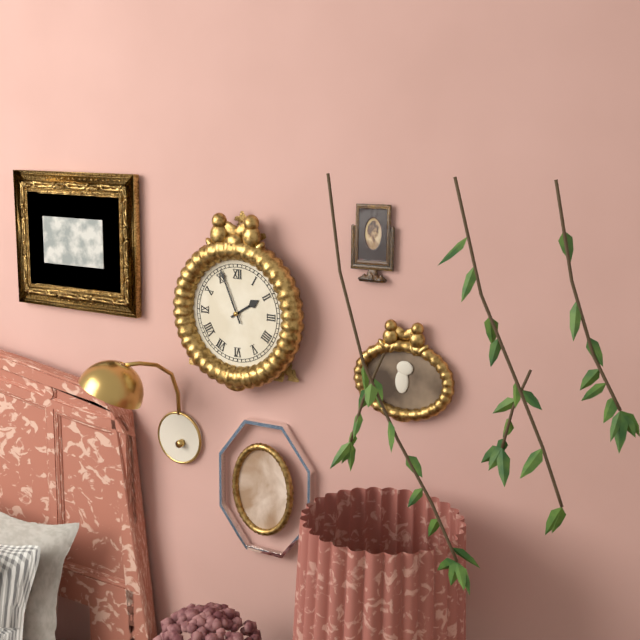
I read **1:56**
